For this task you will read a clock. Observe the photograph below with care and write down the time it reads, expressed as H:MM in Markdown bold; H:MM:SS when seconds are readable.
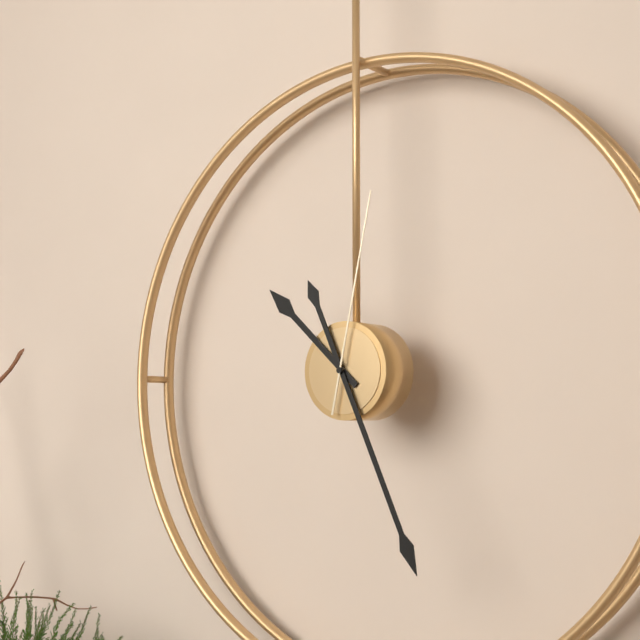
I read **10:26:02**
